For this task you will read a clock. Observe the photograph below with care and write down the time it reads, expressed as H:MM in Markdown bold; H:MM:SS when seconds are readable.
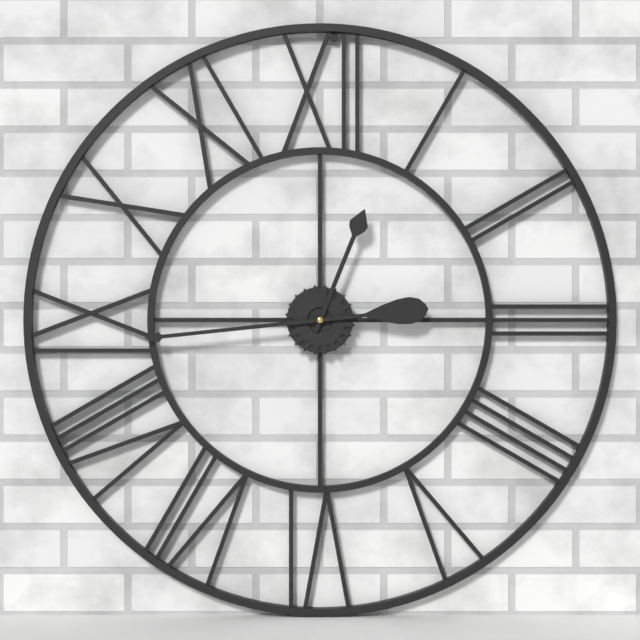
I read **12:44**
